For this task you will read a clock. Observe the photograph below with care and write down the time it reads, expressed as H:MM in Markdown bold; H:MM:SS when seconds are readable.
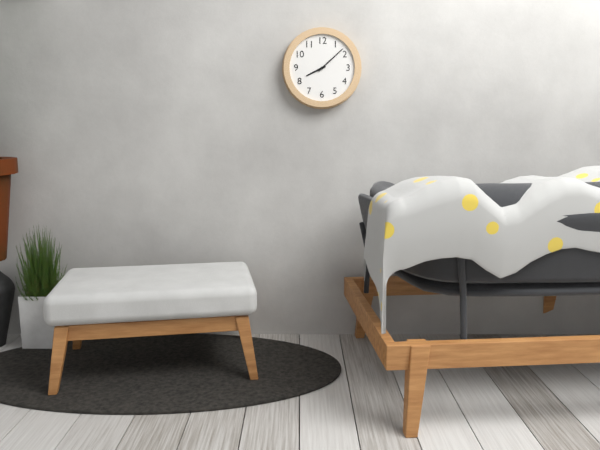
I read **8:08**
